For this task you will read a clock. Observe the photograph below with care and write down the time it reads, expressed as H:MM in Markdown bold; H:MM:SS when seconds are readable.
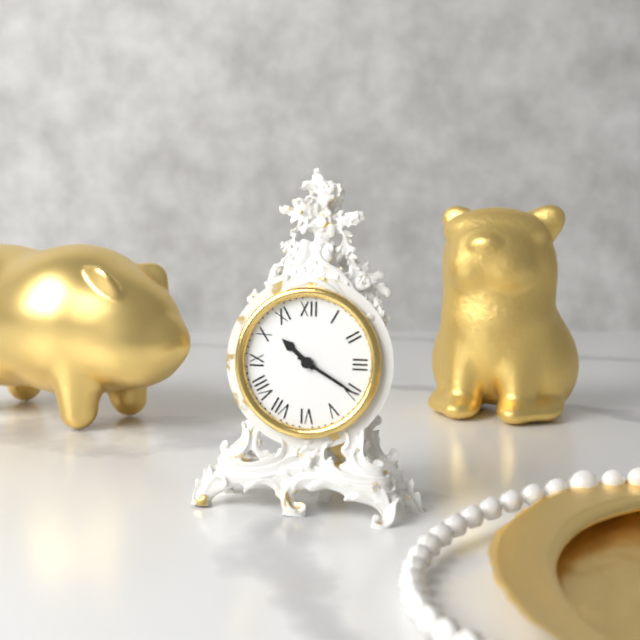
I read **10:20**
